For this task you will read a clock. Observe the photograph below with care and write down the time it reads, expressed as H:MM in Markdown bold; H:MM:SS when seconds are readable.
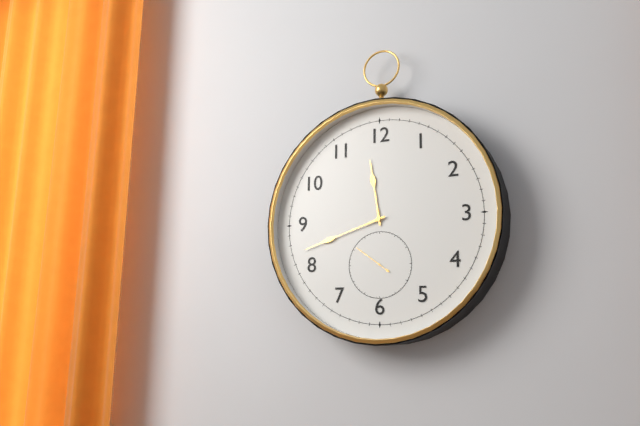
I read **11:42**
